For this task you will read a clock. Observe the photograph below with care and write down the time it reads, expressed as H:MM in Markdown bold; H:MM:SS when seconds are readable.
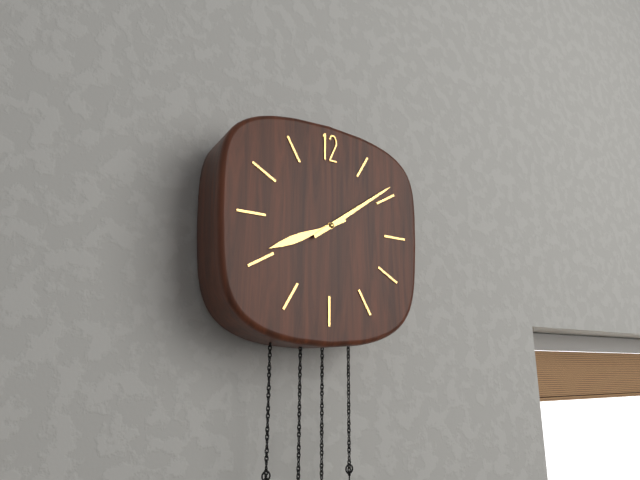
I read **8:09**
